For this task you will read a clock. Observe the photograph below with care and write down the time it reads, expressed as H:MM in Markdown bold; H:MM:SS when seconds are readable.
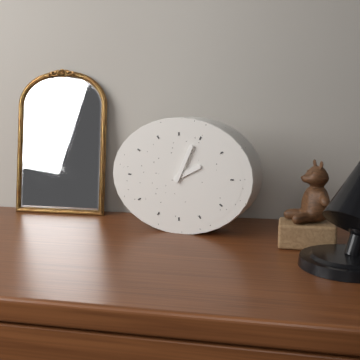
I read **2:04**
